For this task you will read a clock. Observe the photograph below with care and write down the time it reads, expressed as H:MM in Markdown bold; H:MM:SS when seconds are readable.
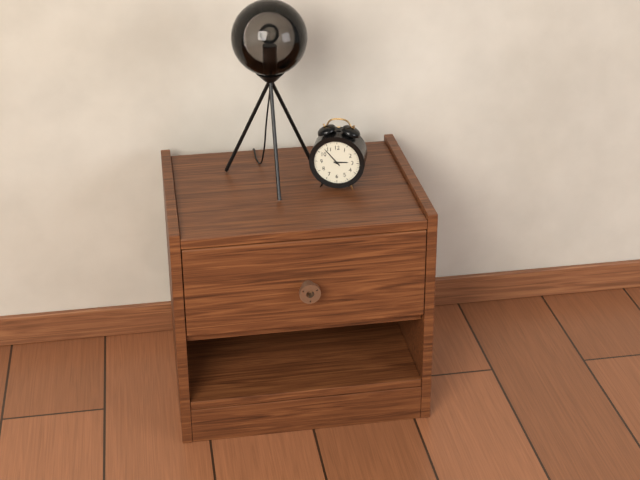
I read **2:53**
